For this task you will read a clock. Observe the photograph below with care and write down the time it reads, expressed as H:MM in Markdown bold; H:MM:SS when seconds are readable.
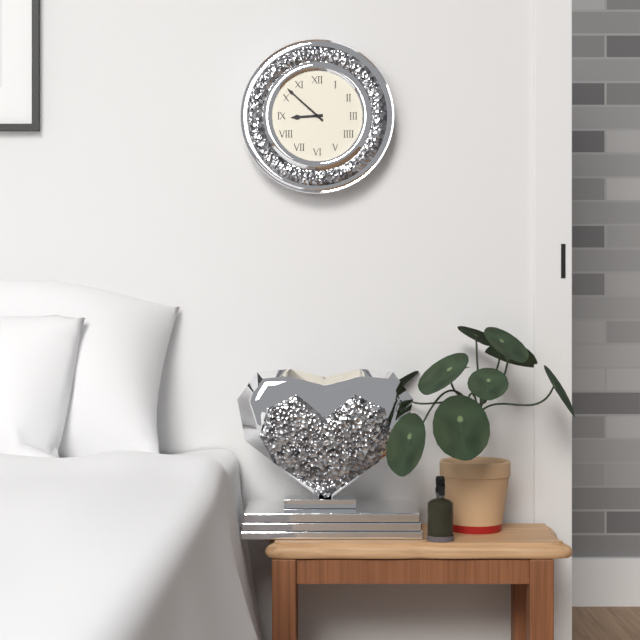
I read **8:52**
